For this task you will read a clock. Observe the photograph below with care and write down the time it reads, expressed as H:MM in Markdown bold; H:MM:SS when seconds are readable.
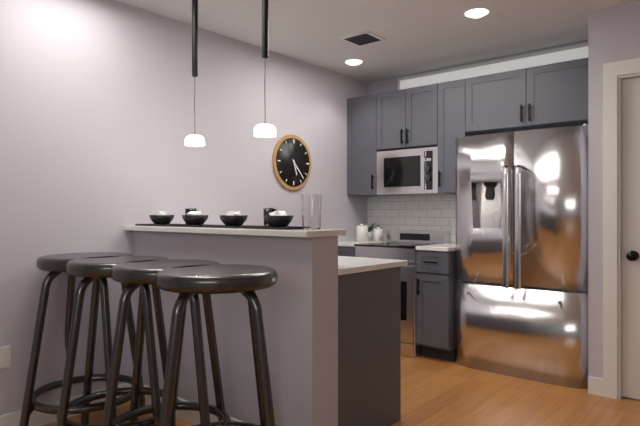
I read **5:23**
